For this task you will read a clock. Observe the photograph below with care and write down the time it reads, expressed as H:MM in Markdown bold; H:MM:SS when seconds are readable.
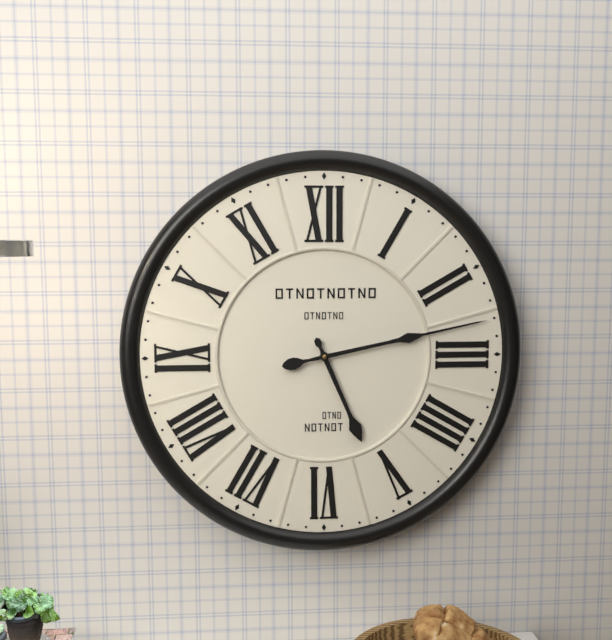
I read **5:13**
